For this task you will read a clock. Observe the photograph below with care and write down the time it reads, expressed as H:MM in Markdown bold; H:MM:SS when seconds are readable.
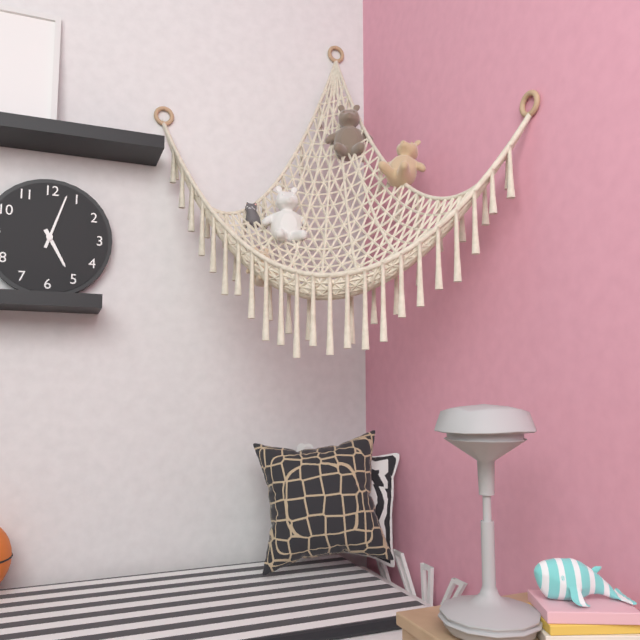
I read **5:03**
